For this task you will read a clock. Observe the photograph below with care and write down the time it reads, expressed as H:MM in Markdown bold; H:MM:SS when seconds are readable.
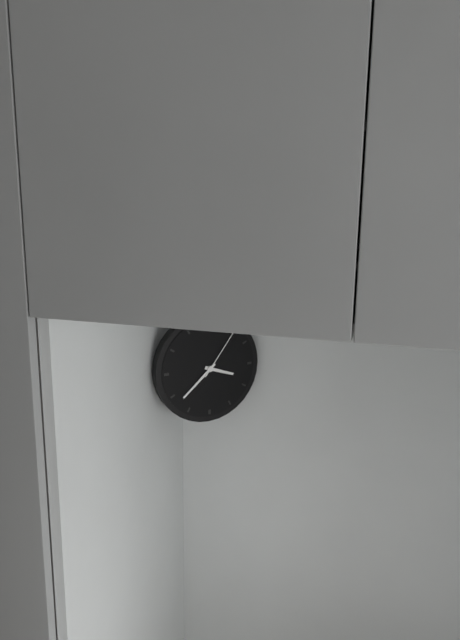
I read **3:38:06**
